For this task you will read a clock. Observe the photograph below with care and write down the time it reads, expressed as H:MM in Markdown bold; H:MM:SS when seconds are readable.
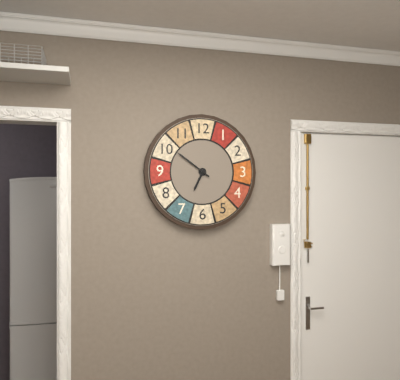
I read **6:51**
